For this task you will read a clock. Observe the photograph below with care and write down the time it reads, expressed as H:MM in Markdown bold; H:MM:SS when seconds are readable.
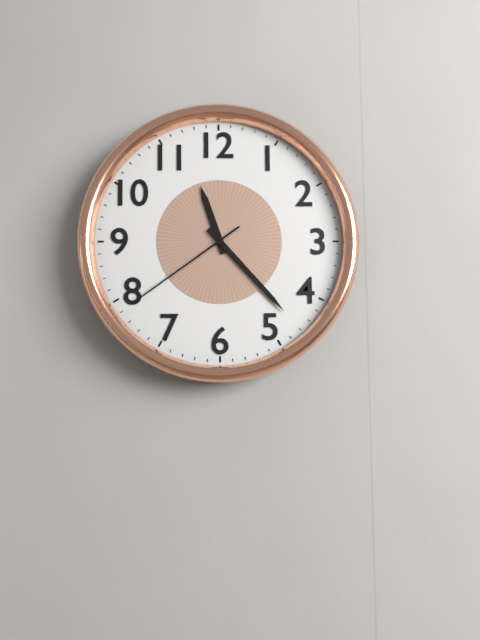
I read **11:23:39**
